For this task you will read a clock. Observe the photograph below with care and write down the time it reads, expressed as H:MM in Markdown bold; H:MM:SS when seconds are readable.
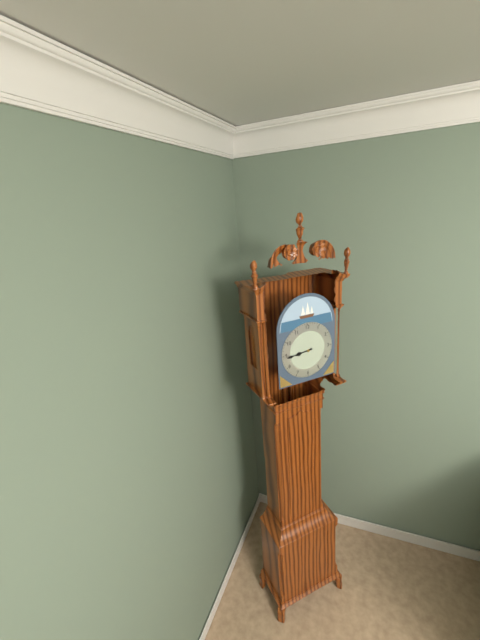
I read **8:44**
